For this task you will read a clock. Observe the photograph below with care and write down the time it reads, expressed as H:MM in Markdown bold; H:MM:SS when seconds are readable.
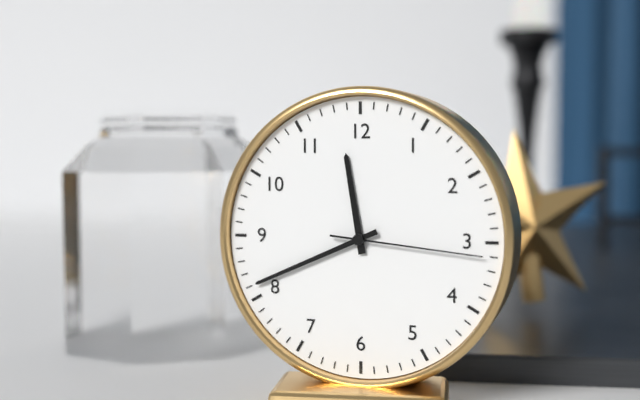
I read **11:41:16**
